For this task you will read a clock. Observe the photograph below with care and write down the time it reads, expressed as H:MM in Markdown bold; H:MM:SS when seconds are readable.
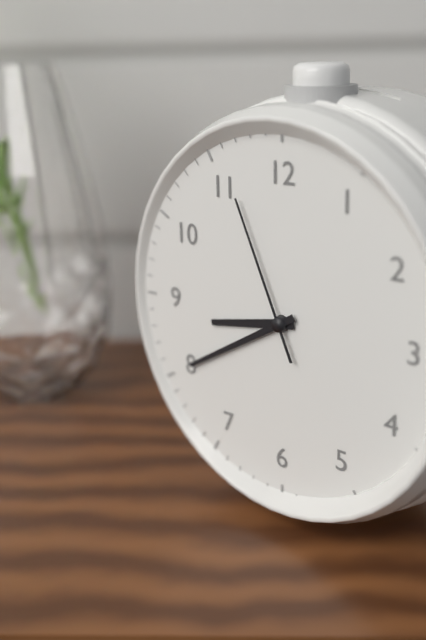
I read **8:40:56**
